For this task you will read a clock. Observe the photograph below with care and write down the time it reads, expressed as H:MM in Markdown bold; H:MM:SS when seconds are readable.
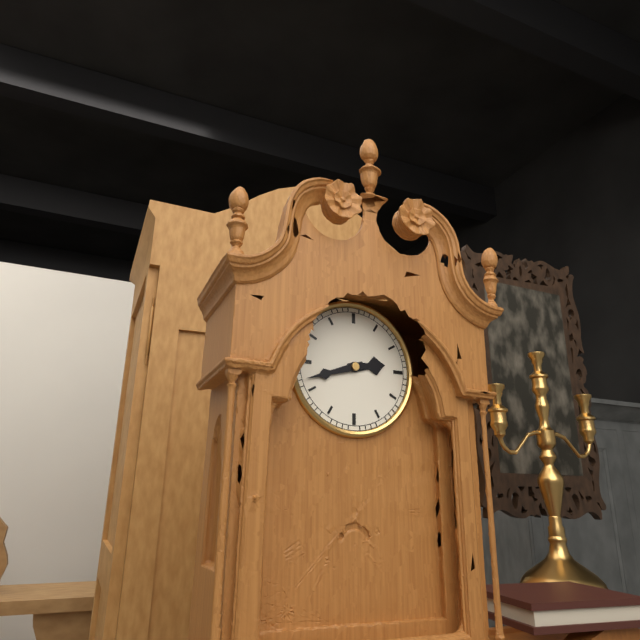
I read **2:42**
